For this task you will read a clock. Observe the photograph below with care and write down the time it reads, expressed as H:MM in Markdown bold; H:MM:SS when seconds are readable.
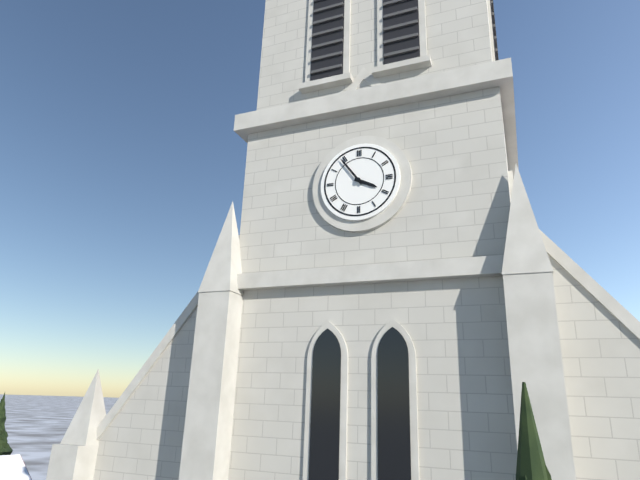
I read **3:54**
